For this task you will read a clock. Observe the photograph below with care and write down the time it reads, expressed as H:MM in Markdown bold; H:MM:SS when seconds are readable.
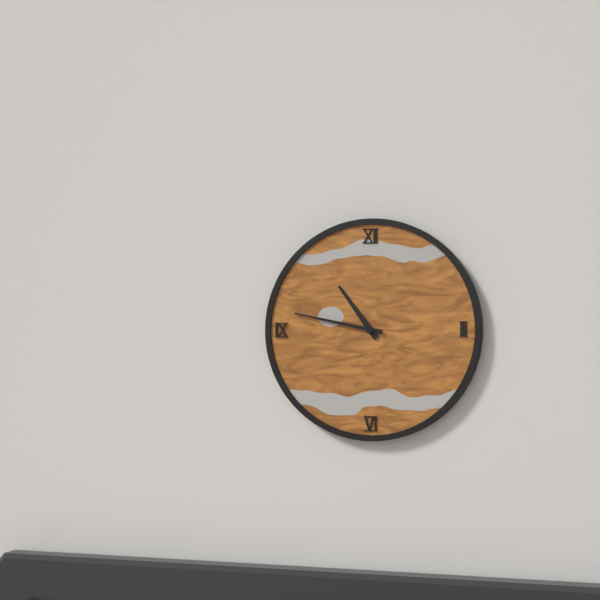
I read **10:47**
